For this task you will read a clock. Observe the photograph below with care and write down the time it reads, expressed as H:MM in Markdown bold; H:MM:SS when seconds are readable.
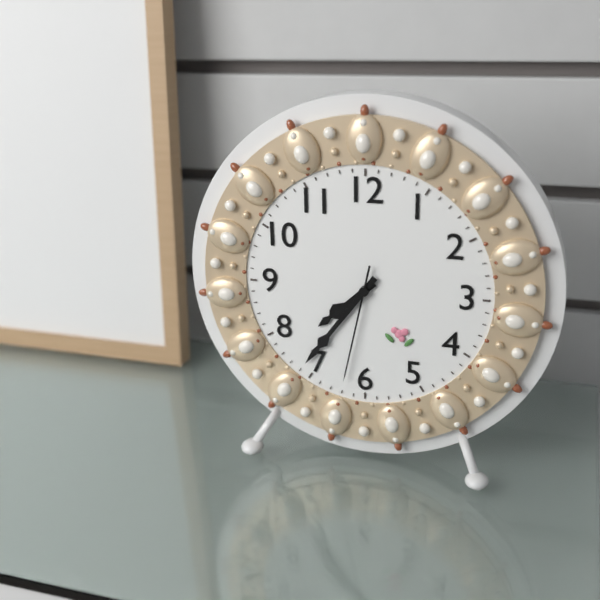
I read **7:36:32**
